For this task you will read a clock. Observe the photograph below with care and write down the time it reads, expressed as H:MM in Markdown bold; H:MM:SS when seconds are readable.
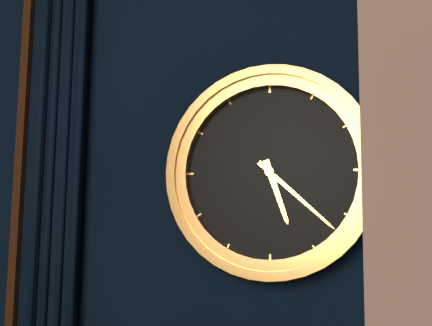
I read **5:22**
